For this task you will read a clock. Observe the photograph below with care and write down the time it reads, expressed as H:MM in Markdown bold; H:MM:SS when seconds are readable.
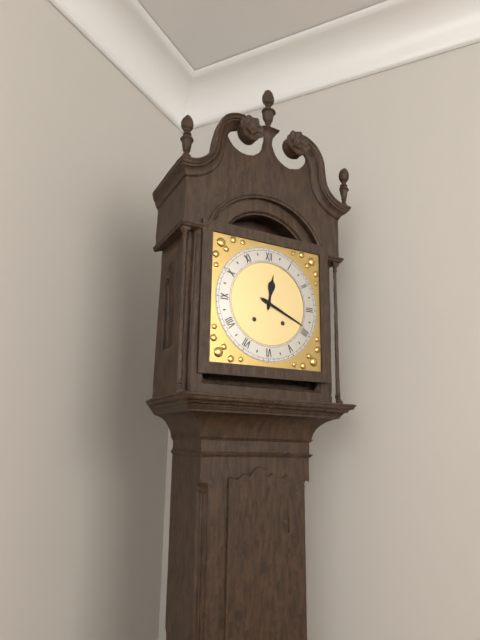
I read **12:19**
